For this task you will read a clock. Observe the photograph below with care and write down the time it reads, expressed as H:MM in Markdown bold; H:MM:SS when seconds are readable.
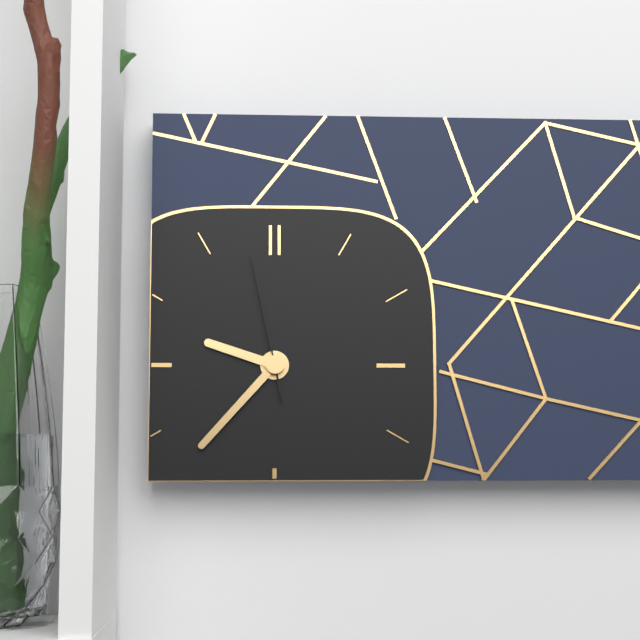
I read **9:37:58**
